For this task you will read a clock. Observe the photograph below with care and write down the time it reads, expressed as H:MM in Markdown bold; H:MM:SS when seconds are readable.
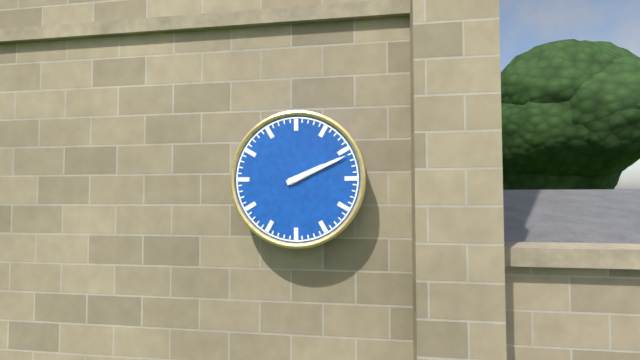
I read **2:11**
